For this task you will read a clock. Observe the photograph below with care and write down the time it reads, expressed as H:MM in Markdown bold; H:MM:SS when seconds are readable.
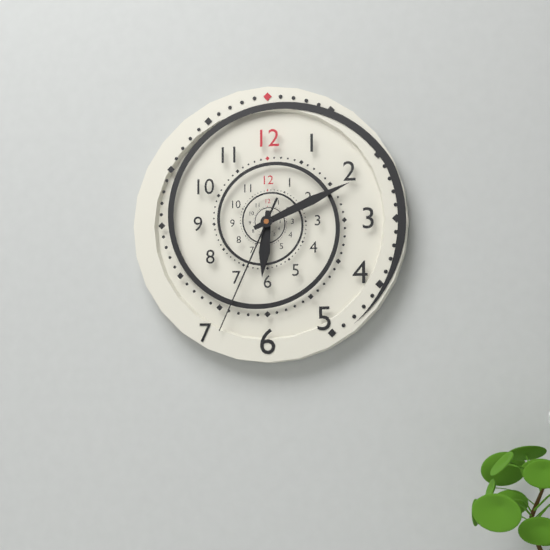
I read **6:11:34**
